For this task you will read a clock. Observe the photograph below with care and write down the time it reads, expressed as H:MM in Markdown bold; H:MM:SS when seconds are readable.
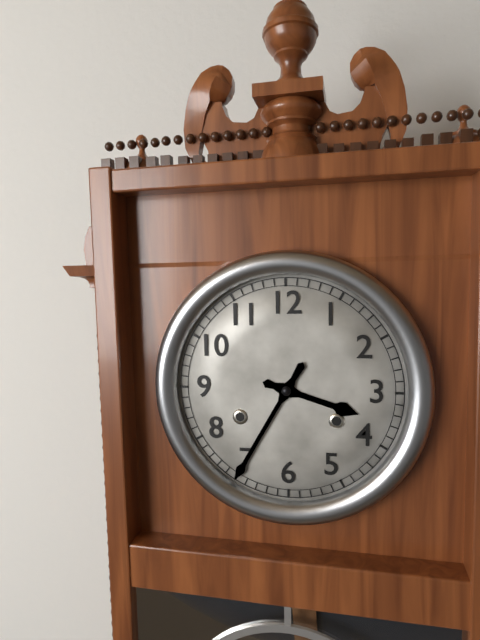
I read **3:35**
